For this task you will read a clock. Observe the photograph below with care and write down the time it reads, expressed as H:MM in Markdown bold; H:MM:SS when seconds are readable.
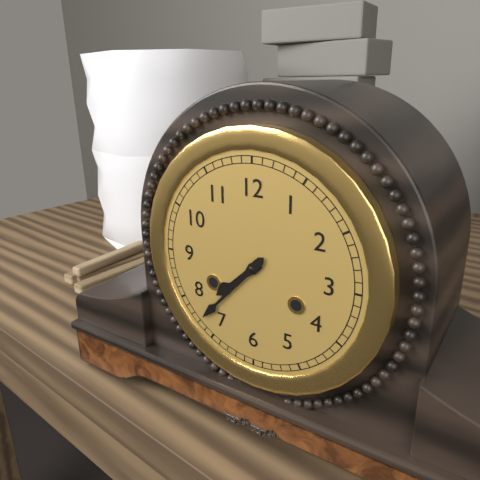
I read **7:37**
